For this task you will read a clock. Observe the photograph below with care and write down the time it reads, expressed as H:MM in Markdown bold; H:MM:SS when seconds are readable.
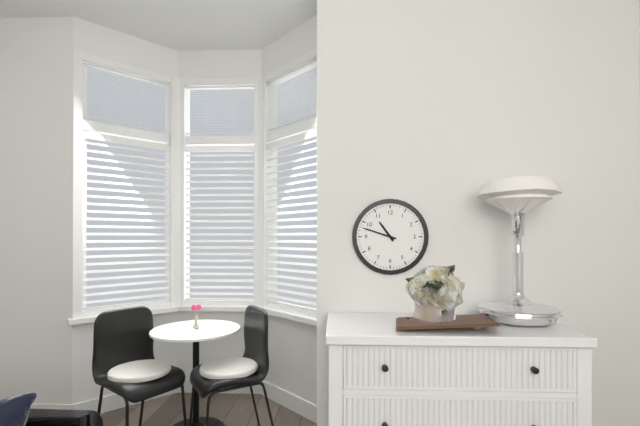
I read **10:48**
